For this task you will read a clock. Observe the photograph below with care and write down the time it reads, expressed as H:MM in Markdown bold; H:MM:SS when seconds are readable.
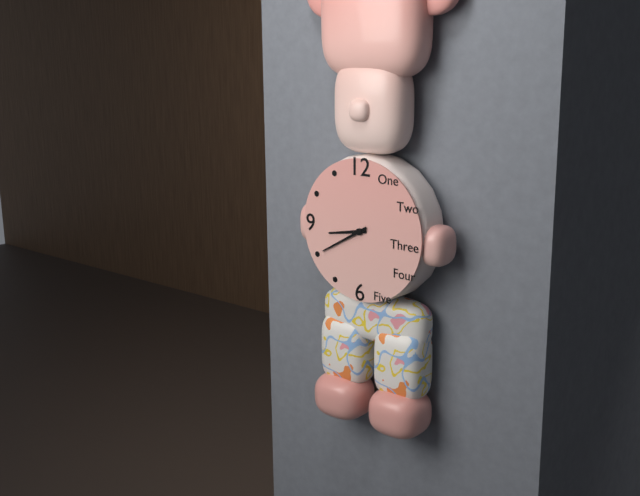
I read **8:40**
